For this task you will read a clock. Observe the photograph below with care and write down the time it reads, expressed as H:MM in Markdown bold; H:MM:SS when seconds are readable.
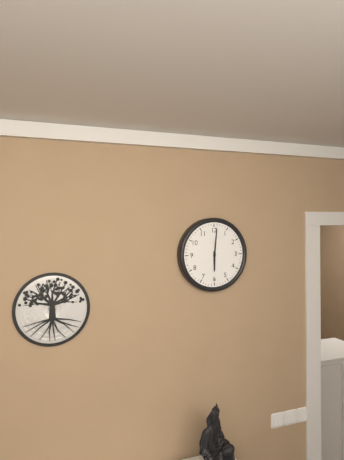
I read **6:01**
